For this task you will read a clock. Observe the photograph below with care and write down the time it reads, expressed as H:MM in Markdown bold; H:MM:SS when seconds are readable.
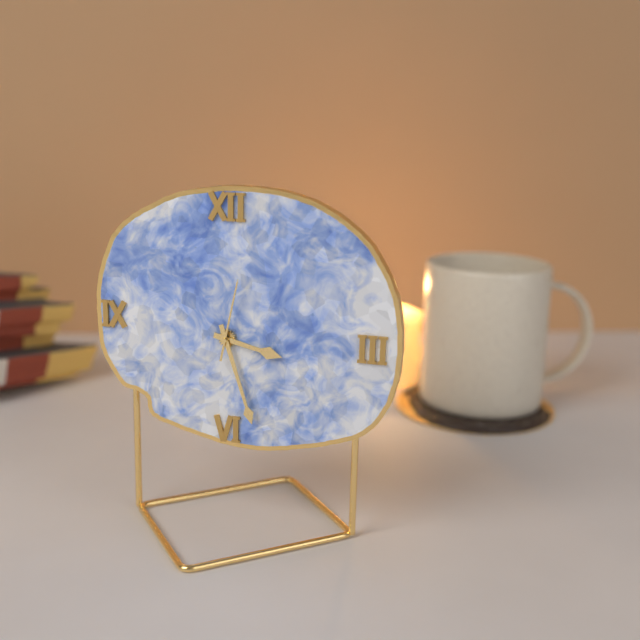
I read **3:27:02**
